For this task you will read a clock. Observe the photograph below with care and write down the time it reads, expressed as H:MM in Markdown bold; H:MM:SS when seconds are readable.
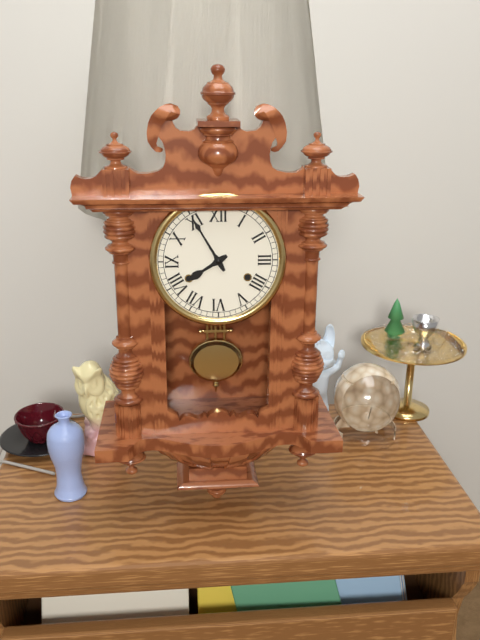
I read **7:55**
